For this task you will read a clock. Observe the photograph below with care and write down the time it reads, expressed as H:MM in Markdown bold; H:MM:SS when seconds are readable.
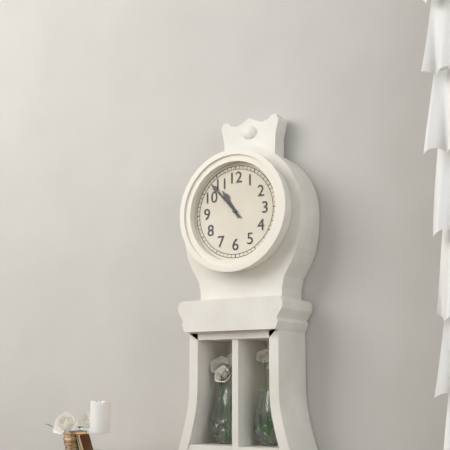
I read **10:53**
